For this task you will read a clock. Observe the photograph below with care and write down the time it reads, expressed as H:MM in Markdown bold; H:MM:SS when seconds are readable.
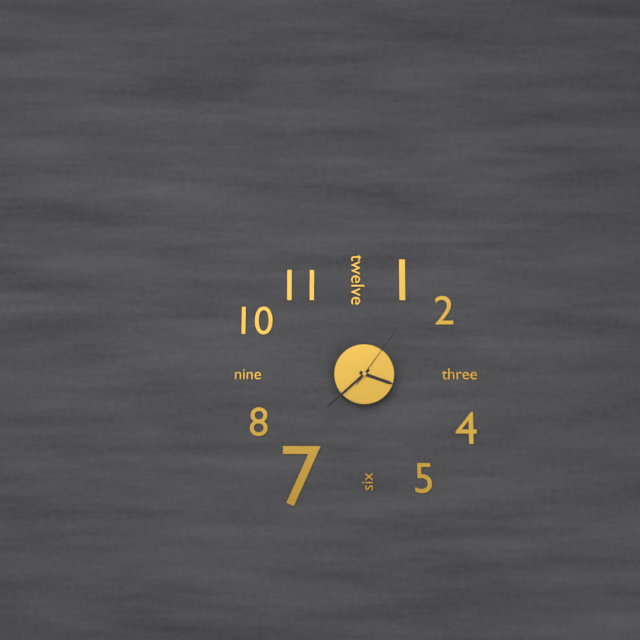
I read **3:38:06**
